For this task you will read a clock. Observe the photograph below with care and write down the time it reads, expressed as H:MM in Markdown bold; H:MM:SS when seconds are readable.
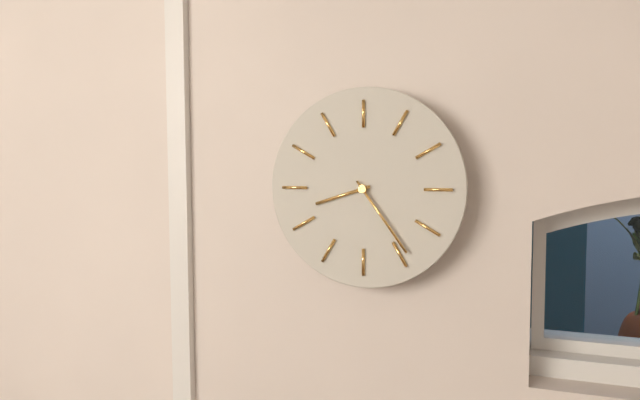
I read **8:24**
